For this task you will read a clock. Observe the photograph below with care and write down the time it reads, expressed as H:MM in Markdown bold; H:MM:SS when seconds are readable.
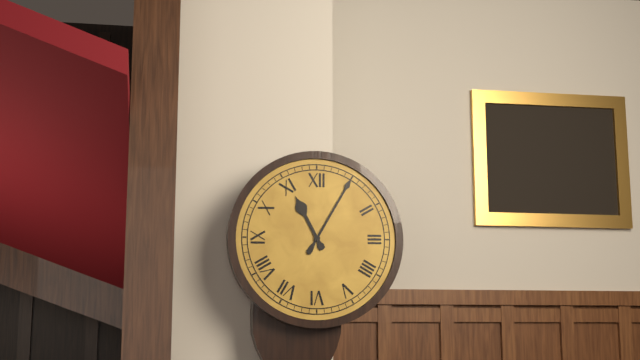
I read **11:05**
